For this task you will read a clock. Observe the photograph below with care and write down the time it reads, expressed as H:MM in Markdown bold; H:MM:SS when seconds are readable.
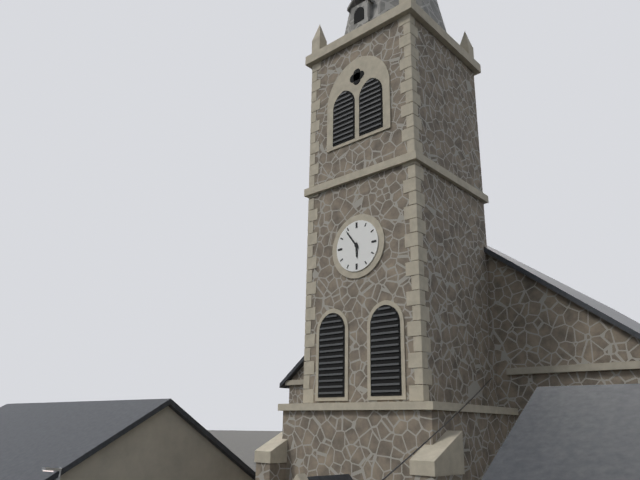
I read **5:54**
